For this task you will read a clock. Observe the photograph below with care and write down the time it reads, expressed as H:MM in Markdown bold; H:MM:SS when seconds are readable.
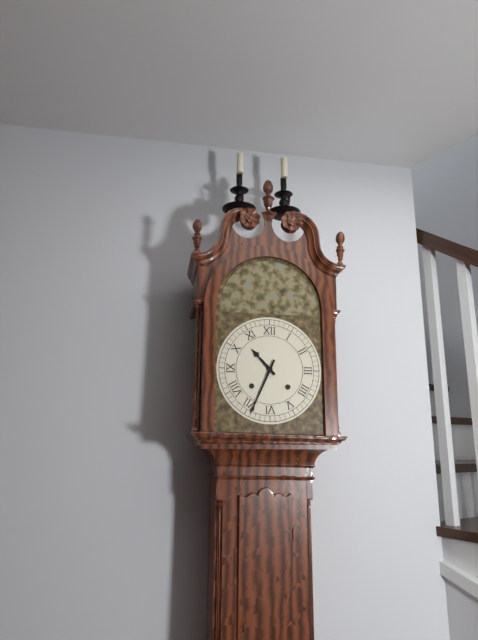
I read **10:34**
